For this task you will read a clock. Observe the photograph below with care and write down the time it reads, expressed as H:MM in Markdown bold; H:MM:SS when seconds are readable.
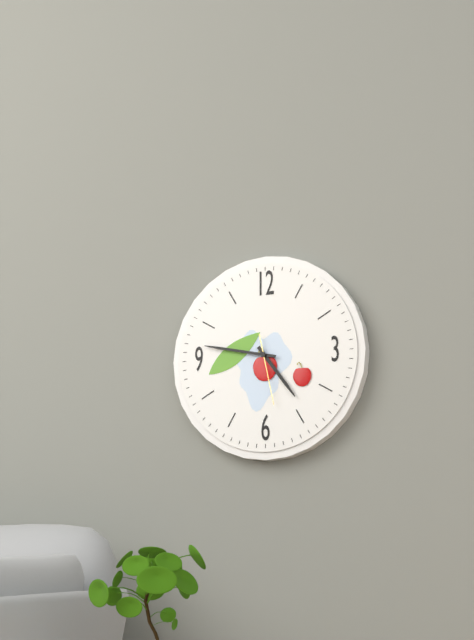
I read **4:47:28**
